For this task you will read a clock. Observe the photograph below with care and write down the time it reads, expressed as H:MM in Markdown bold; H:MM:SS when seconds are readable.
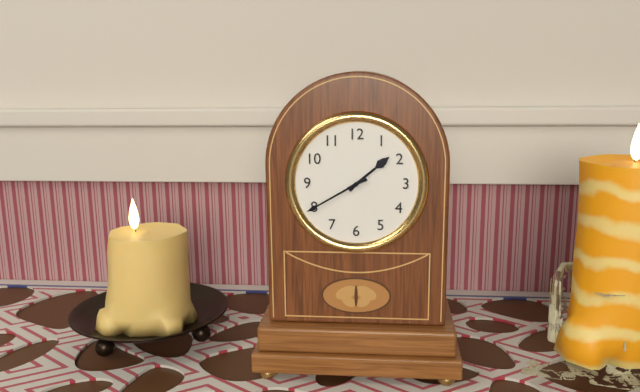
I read **1:40**
